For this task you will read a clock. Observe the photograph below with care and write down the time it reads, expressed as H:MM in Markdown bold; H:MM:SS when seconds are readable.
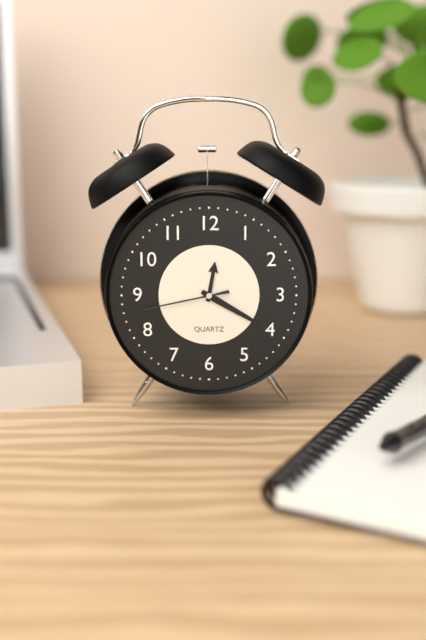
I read **12:20:43**
